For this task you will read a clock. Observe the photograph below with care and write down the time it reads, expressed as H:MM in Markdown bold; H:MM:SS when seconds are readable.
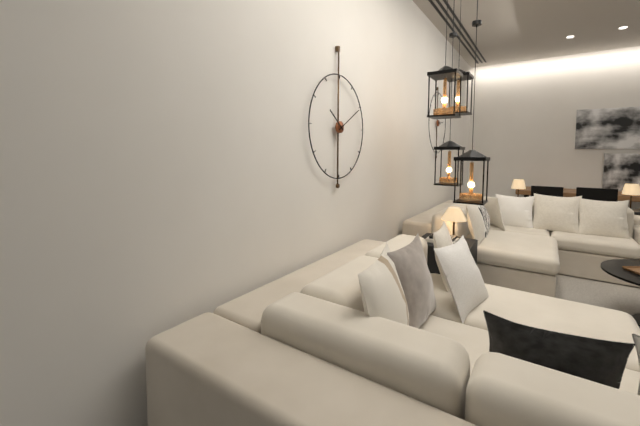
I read **10:10**
